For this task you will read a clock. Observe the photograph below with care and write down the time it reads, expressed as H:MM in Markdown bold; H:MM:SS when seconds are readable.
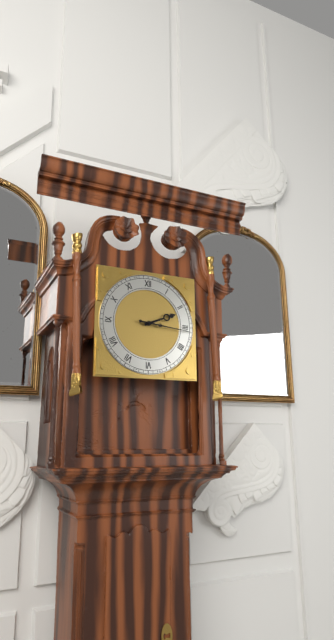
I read **2:16**
